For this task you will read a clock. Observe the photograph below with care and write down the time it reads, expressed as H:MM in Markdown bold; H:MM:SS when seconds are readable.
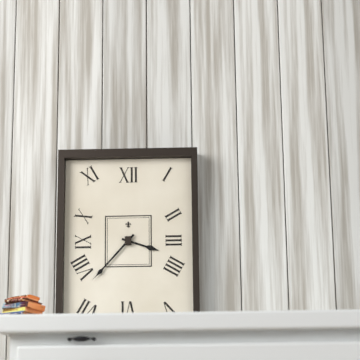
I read **3:37**
